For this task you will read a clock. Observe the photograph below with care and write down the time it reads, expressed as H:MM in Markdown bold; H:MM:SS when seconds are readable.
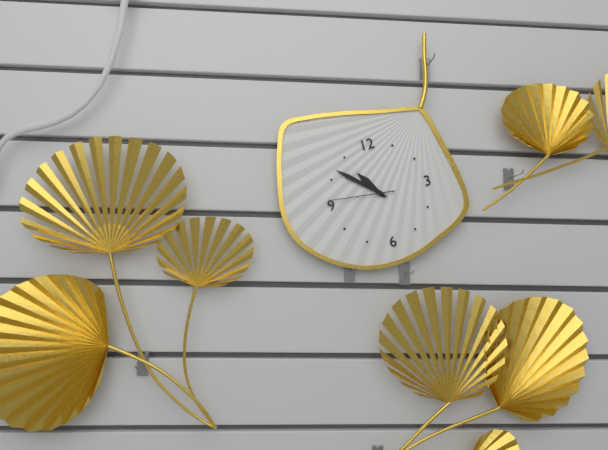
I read **10:52:46**
